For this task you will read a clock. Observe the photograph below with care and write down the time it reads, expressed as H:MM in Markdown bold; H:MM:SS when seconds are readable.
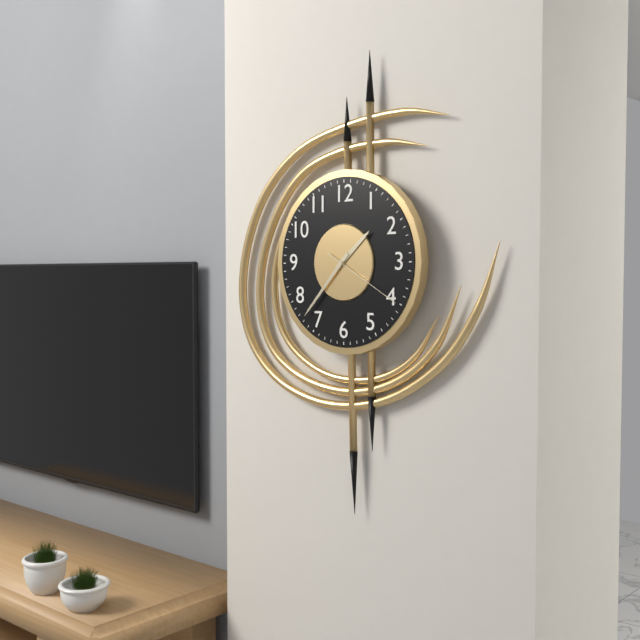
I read **1:37:20**
